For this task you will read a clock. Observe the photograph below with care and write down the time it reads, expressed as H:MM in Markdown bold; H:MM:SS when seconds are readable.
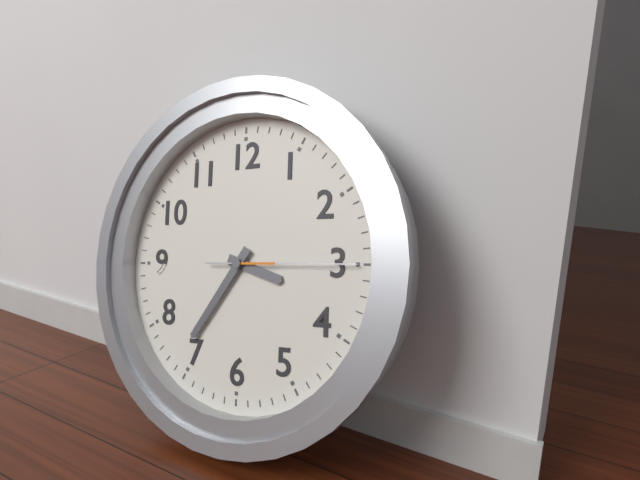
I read **3:36:15**
